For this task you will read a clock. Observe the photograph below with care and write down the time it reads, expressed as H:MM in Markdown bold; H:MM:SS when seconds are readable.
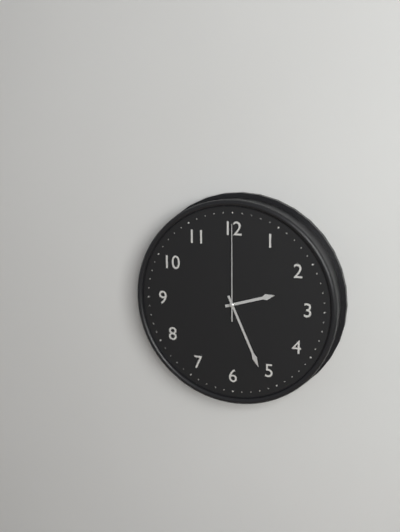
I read **2:26:00**
